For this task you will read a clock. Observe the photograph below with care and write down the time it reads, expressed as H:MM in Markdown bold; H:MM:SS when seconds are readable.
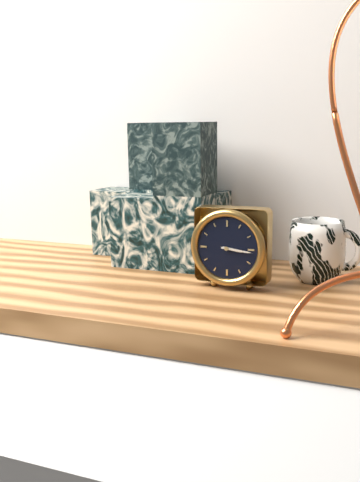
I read **3:16**
